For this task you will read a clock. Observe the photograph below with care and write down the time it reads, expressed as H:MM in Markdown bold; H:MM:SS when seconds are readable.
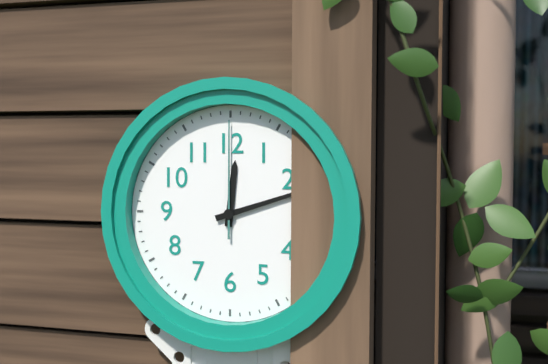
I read **12:12:00**
